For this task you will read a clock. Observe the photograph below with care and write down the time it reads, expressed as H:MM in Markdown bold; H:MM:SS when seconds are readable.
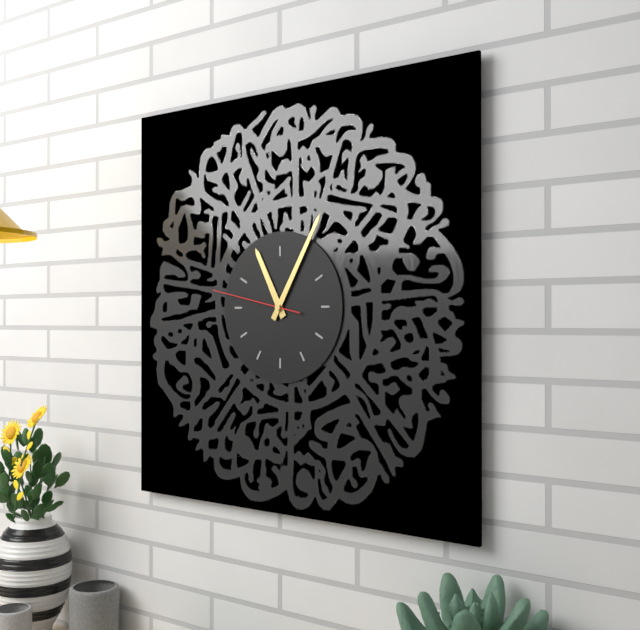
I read **11:05:47**
